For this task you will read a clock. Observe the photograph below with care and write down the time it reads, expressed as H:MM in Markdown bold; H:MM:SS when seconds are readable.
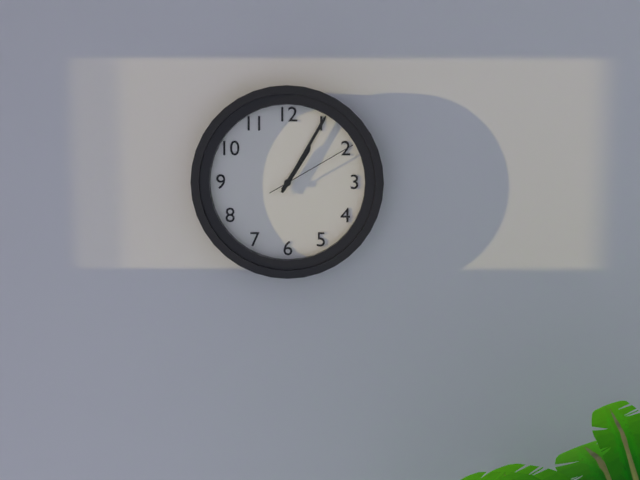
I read **1:05:10**
